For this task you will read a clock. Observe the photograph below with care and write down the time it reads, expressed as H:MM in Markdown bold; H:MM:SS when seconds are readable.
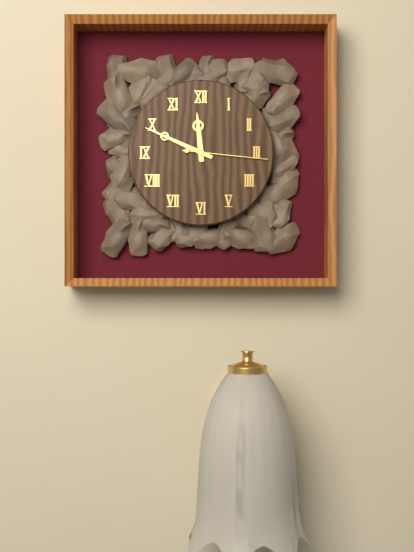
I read **11:49:16**
